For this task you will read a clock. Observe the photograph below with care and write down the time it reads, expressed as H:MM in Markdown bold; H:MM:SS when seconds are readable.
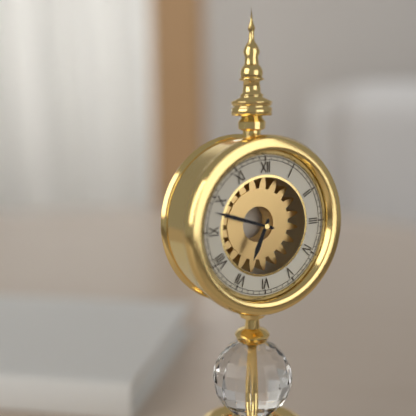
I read **6:48**
